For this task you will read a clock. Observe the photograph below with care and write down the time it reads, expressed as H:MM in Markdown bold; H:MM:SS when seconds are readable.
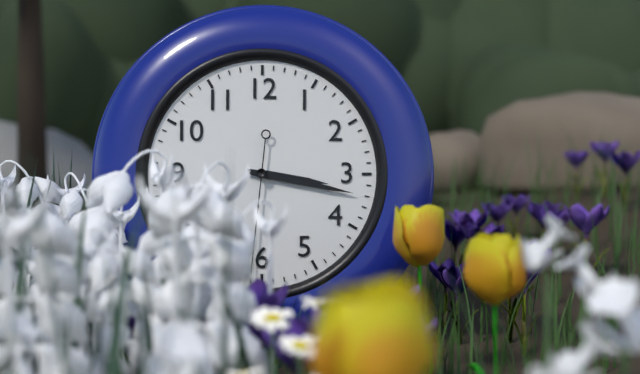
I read **3:17:31**
